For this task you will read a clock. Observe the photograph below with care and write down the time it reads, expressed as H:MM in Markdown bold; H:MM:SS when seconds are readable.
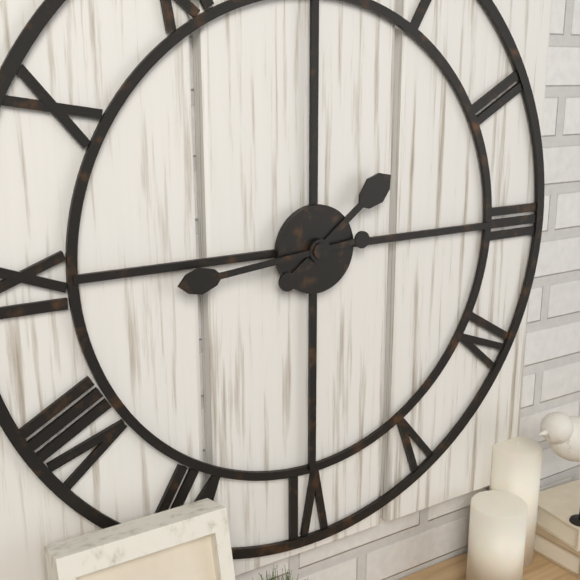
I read **1:44**
